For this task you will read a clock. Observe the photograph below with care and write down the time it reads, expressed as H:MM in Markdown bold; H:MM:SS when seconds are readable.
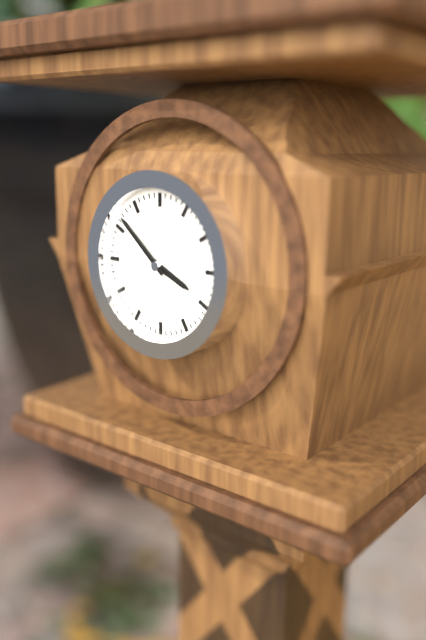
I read **3:52**
